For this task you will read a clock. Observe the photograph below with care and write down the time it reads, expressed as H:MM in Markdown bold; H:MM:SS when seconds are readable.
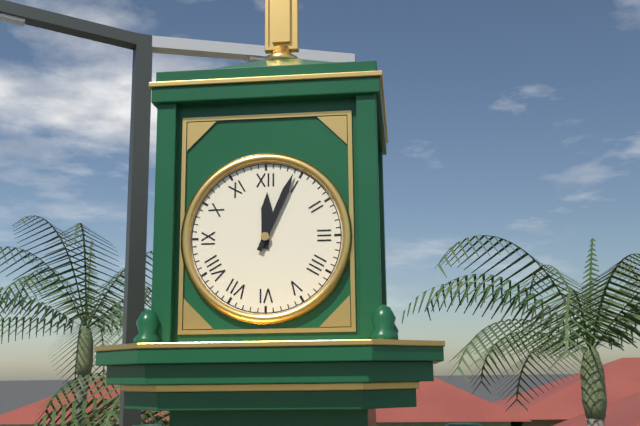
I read **12:04**
